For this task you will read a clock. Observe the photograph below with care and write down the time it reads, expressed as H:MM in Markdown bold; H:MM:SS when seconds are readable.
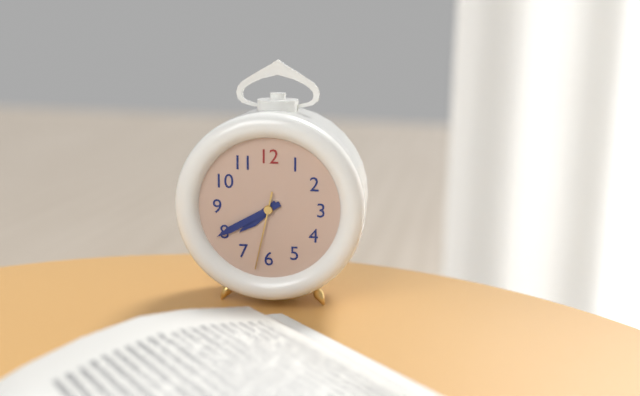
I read **7:40:32**
